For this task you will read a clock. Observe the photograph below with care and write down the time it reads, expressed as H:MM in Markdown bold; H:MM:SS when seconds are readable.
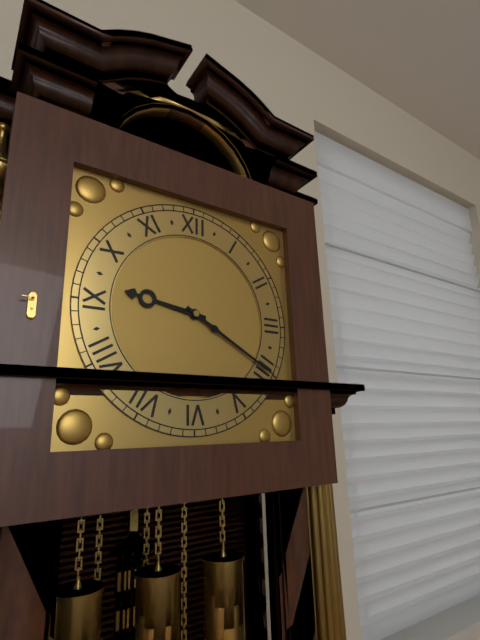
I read **9:20**
